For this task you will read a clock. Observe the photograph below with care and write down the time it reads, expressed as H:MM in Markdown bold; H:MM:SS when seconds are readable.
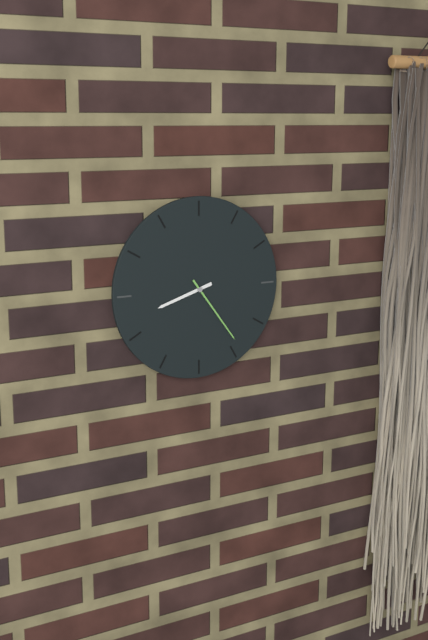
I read **8:24**
